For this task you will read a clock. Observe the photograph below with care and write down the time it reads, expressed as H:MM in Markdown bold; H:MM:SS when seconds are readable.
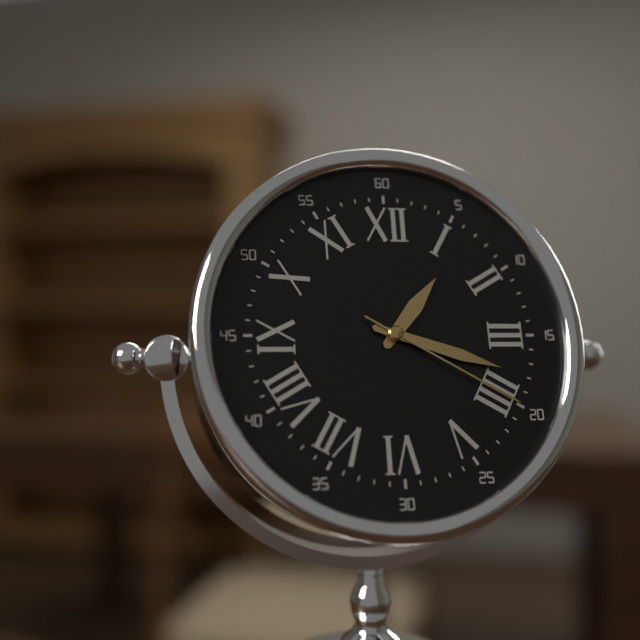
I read **1:18:20**
